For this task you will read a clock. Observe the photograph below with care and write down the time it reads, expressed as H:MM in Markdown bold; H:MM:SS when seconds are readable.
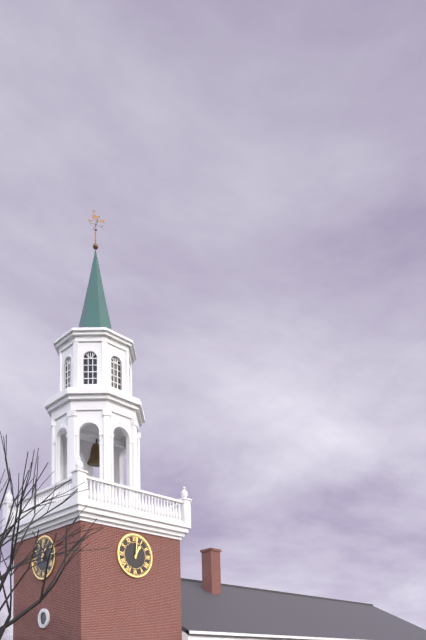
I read **1:01**
